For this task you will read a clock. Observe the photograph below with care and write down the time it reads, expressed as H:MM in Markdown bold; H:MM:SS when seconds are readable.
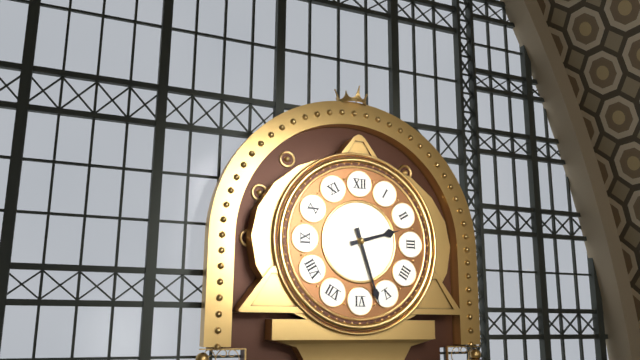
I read **2:27**
